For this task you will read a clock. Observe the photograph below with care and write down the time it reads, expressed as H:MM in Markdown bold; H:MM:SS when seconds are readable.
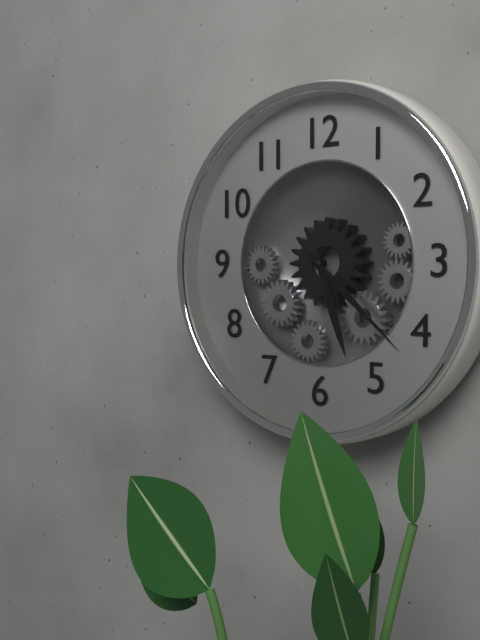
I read **5:22**
